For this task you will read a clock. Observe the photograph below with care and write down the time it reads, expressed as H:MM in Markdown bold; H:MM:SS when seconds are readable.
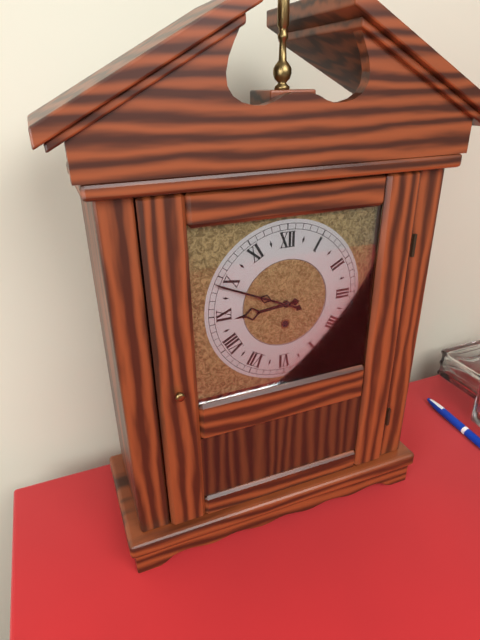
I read **8:49**
